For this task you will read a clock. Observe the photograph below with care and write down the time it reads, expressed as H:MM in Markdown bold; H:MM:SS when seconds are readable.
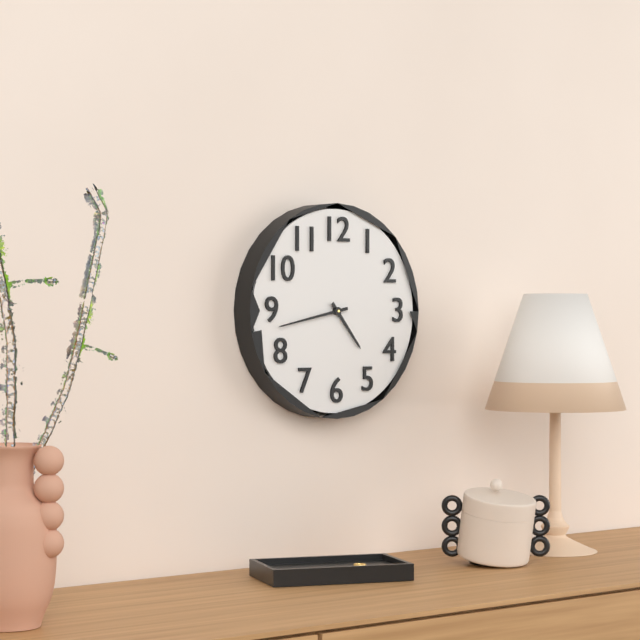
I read **4:43**
